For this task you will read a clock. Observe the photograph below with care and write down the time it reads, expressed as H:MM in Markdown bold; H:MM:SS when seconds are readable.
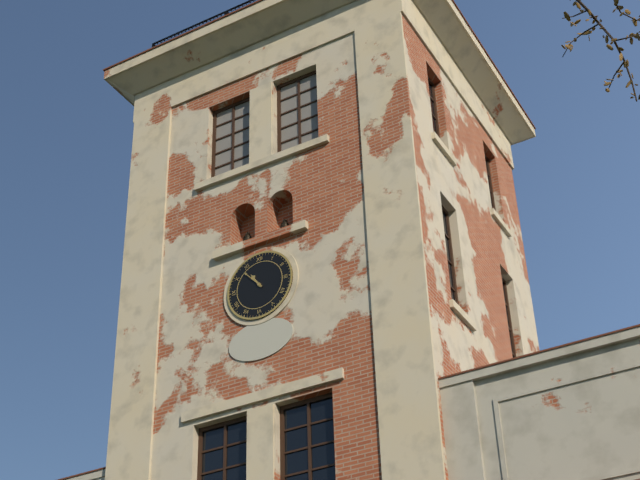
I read **10:53**
